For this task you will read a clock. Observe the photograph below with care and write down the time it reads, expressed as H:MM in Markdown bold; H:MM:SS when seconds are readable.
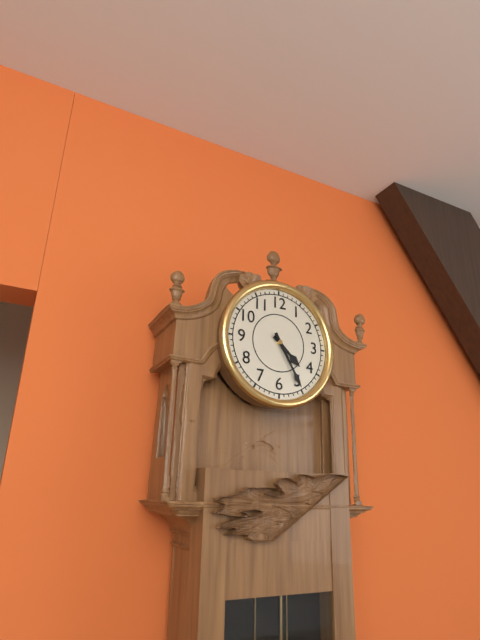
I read **4:25**
